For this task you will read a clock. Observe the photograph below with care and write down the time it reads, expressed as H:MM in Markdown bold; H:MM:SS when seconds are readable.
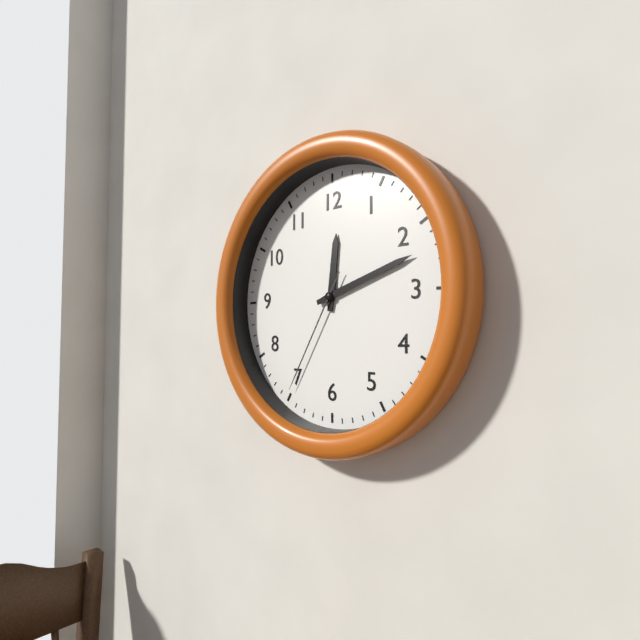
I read **12:12:35**
